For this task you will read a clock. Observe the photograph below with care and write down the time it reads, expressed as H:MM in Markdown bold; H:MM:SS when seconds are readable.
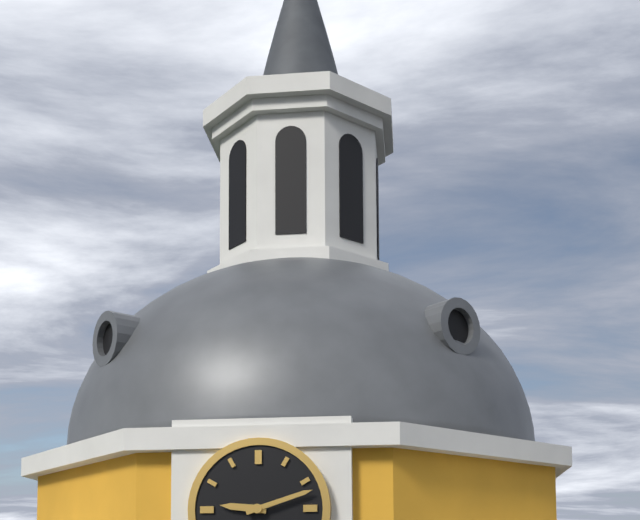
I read **9:12**
